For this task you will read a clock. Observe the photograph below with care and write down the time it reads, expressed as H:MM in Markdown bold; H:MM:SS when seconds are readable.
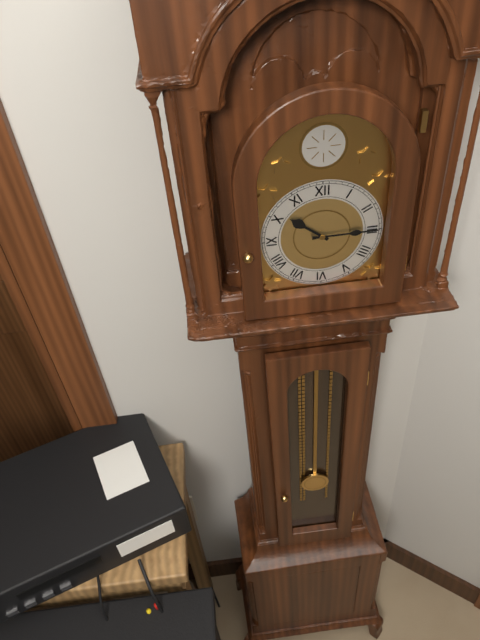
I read **10:15**
